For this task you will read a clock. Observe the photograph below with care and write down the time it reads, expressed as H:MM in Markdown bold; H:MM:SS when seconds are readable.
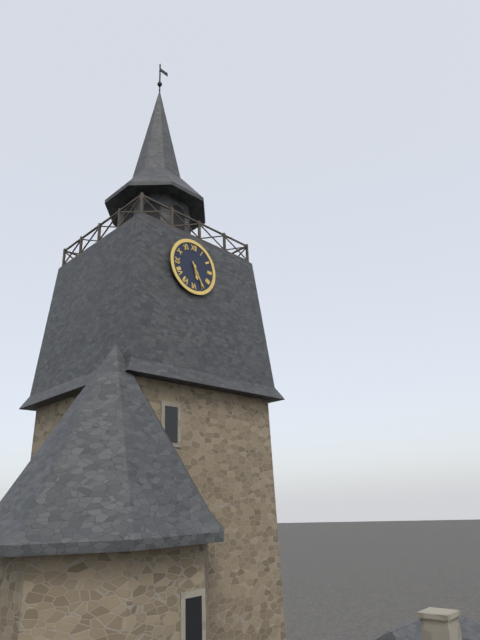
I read **5:25**
